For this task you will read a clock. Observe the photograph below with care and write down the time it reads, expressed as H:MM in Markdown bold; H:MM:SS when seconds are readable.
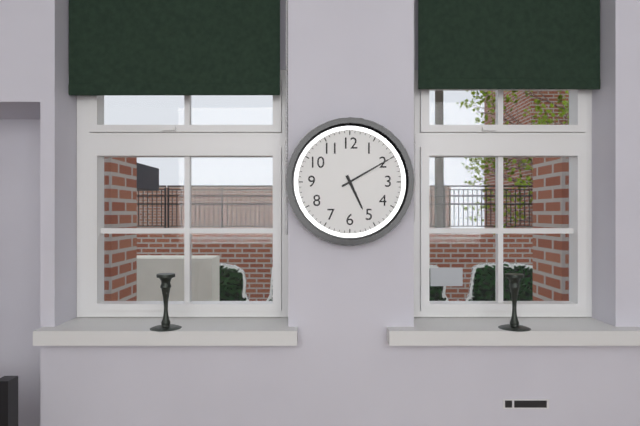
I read **5:10**
